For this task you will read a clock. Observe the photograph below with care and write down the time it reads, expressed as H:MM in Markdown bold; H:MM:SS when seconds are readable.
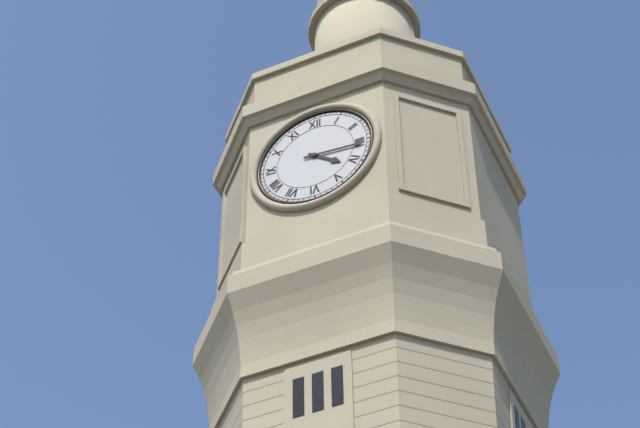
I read **4:16**
